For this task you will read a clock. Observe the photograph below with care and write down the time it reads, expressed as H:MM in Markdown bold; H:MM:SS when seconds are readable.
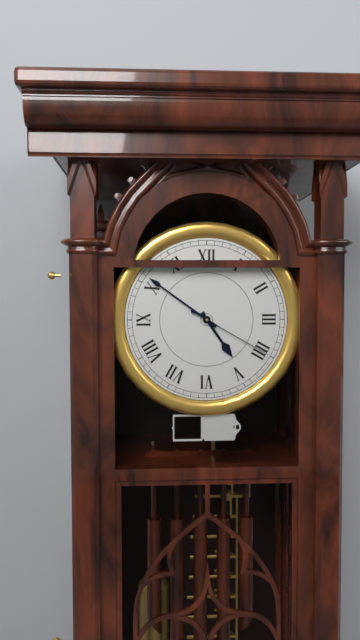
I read **4:51:20**
